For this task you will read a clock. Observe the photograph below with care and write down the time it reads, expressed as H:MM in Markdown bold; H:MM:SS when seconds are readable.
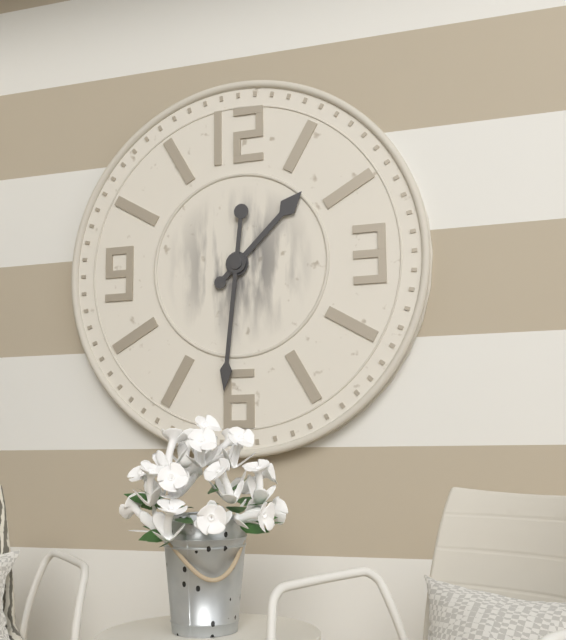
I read **1:31**
